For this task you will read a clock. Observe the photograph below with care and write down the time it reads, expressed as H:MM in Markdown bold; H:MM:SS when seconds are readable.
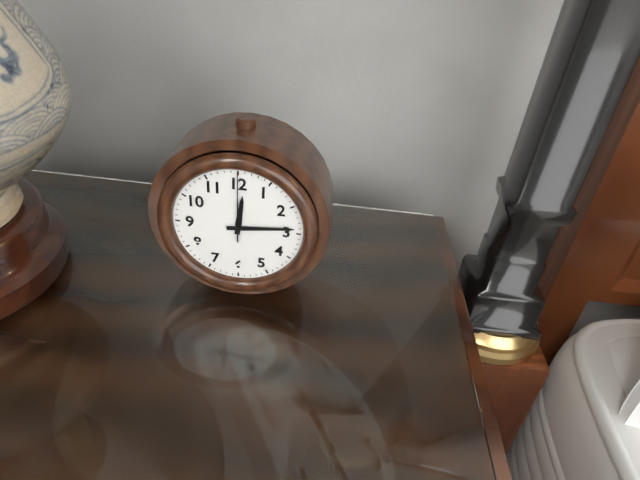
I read **12:14:00**
